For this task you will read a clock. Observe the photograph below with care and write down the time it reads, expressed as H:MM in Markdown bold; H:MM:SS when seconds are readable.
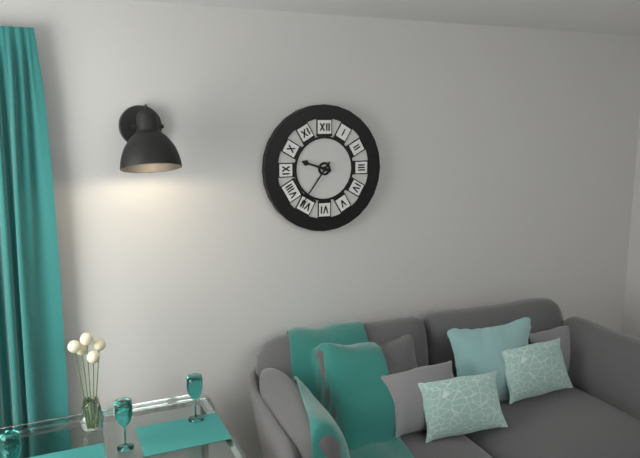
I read **9:36**
